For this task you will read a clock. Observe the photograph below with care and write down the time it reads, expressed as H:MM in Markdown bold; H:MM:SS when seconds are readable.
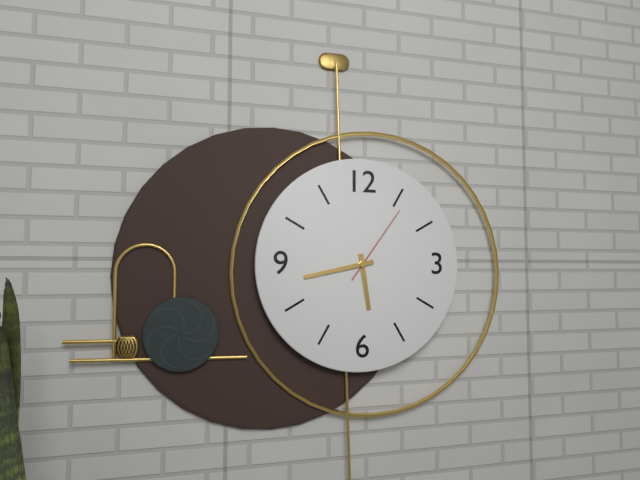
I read **5:43:06**
